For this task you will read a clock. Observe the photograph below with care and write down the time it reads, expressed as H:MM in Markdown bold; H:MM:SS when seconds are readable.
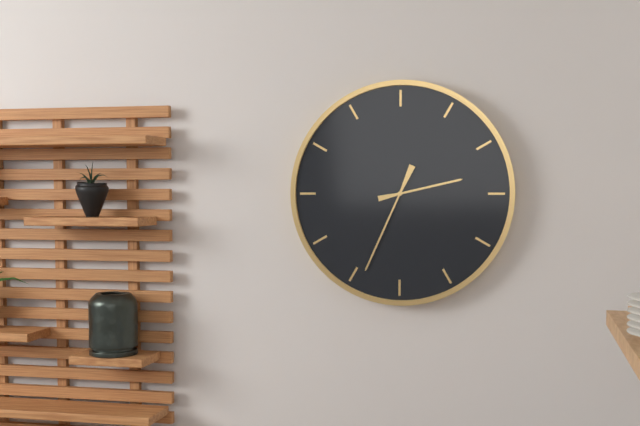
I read **2:34**
